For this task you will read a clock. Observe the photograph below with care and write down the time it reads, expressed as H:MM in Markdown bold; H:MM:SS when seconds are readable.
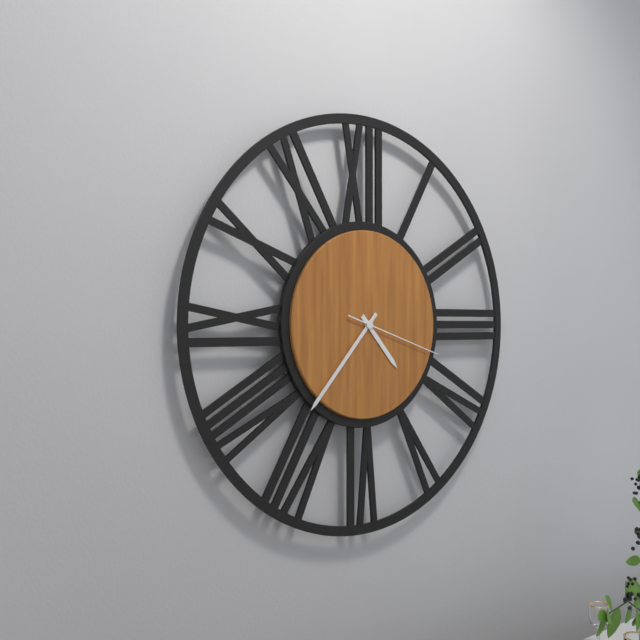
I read **4:37:18**
